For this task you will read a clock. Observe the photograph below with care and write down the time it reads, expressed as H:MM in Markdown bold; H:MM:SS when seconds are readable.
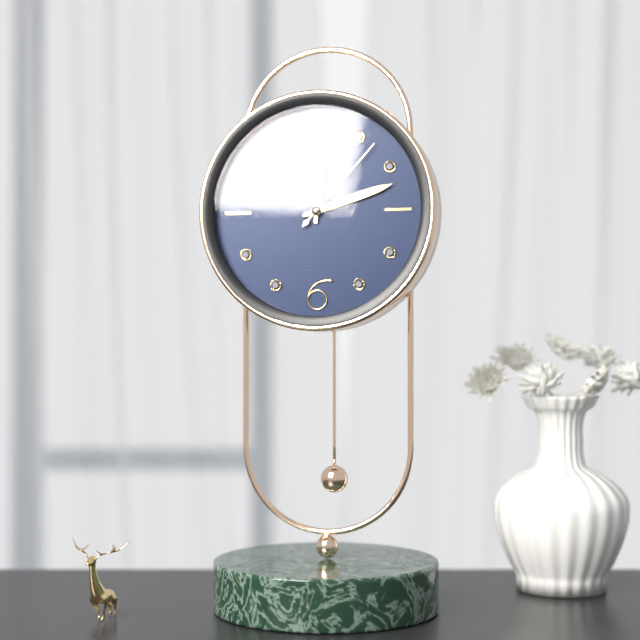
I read **12:12:07**
